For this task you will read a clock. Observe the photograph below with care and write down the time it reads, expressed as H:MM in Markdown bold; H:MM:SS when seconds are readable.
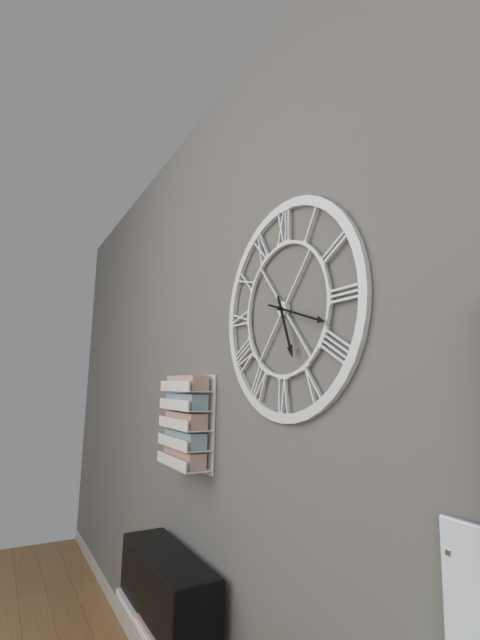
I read **5:18**
